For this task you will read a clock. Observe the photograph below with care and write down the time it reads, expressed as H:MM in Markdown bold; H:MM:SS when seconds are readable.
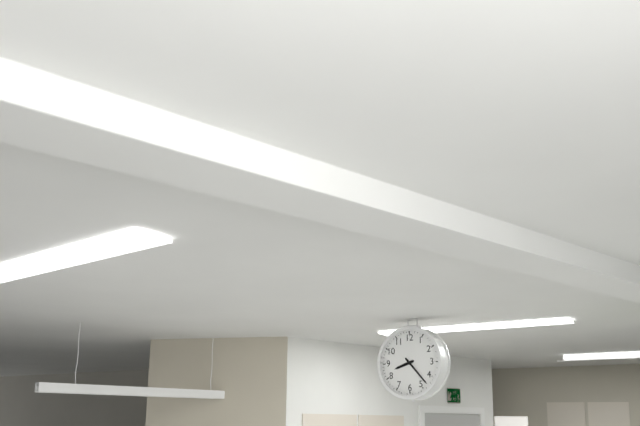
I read **8:23**
